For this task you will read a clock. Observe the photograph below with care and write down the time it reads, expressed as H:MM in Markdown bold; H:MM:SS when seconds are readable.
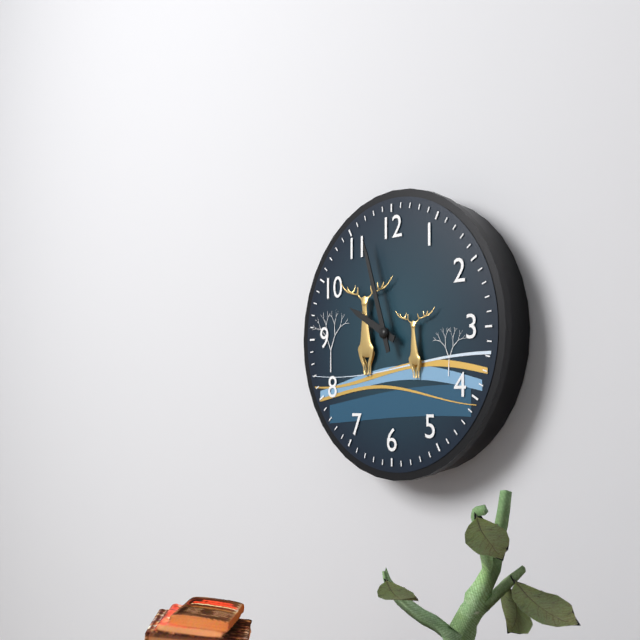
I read **9:57**
